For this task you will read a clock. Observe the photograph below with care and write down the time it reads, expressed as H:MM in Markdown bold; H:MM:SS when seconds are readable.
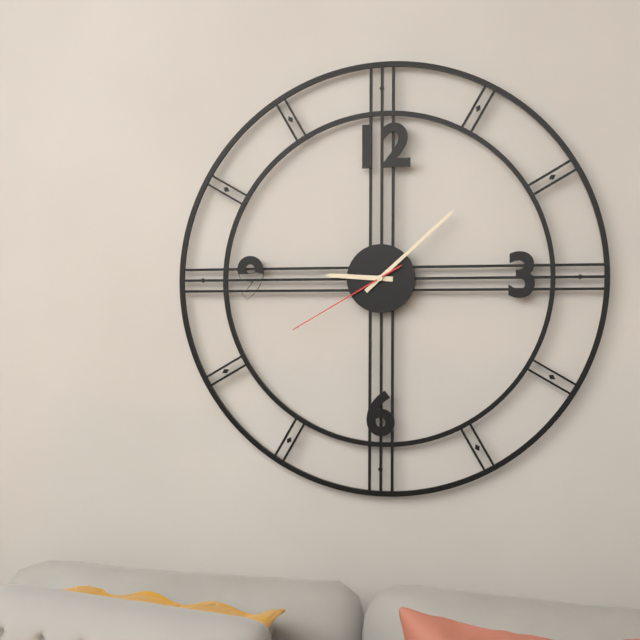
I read **9:08:40**
